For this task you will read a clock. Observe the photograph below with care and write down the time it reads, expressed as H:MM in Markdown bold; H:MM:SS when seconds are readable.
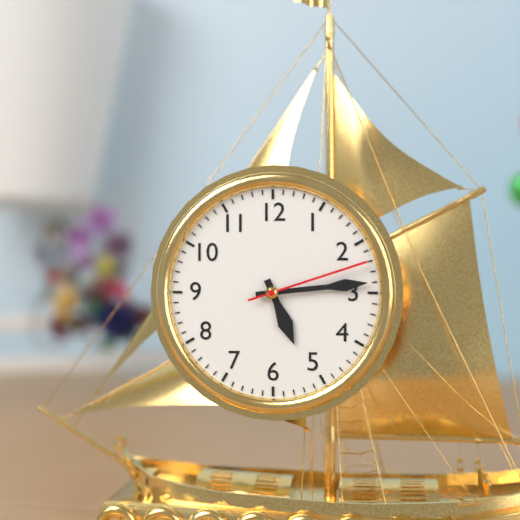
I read **5:14:12**
